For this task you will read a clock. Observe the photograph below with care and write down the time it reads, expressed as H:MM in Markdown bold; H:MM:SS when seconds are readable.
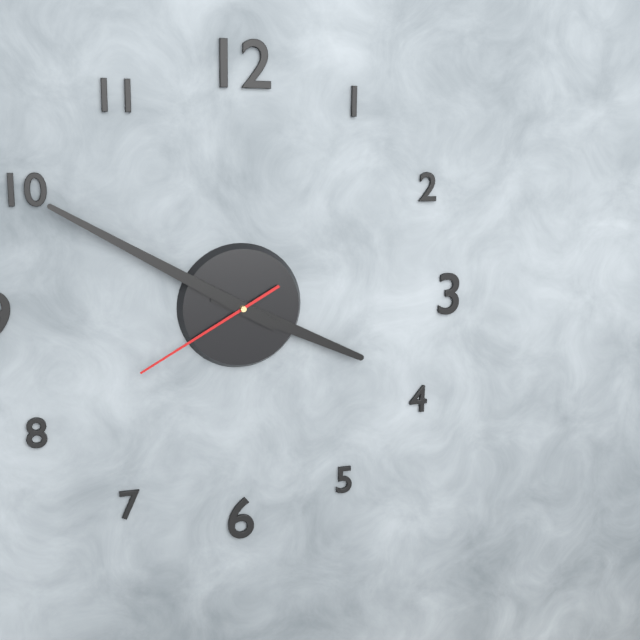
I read **3:50:40**
